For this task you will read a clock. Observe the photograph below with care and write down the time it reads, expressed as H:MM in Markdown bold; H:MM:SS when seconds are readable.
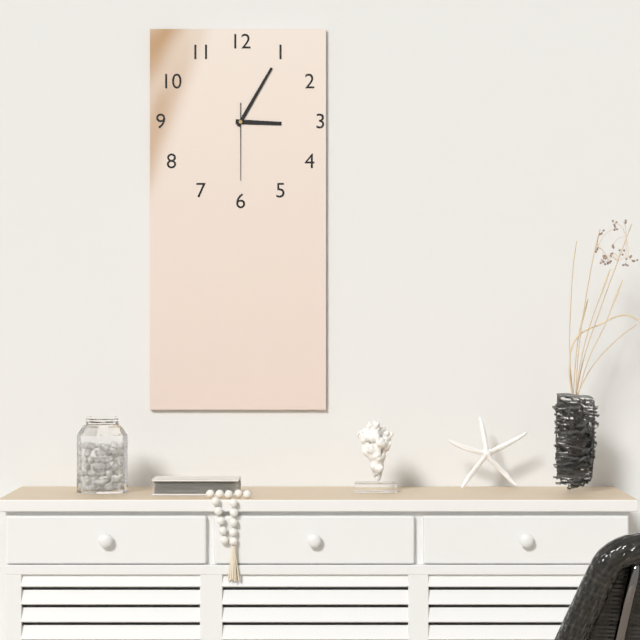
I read **3:05:30**
